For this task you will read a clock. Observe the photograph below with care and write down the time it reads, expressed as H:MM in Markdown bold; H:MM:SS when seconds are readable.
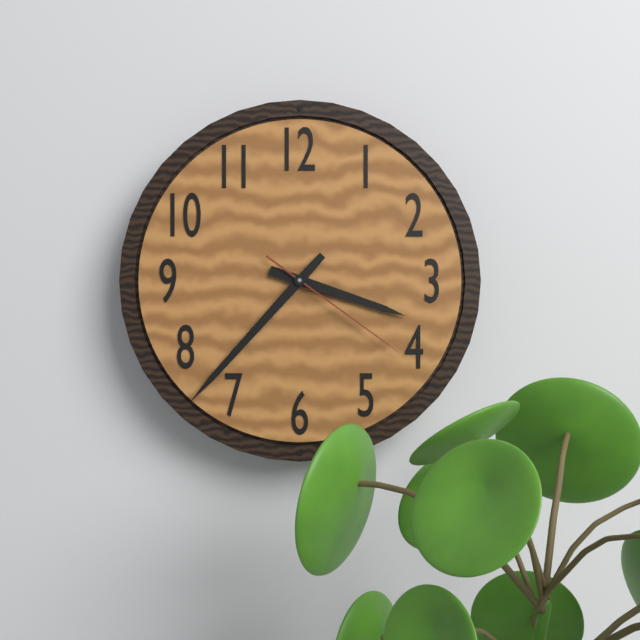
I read **3:37:21**
